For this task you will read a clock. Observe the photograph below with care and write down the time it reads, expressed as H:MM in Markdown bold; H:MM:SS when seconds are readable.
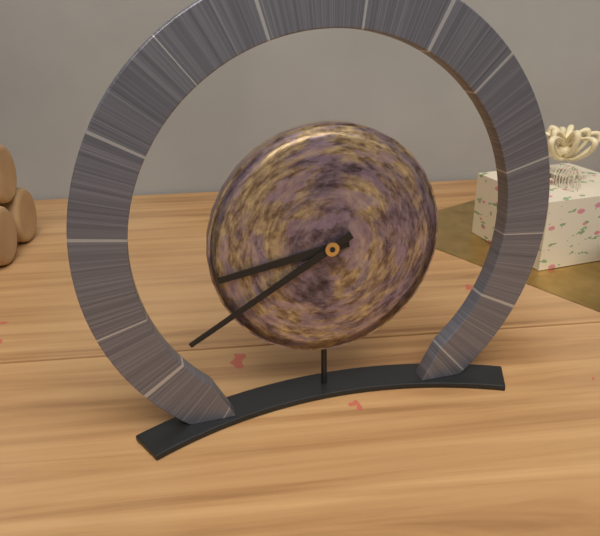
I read **8:40**
